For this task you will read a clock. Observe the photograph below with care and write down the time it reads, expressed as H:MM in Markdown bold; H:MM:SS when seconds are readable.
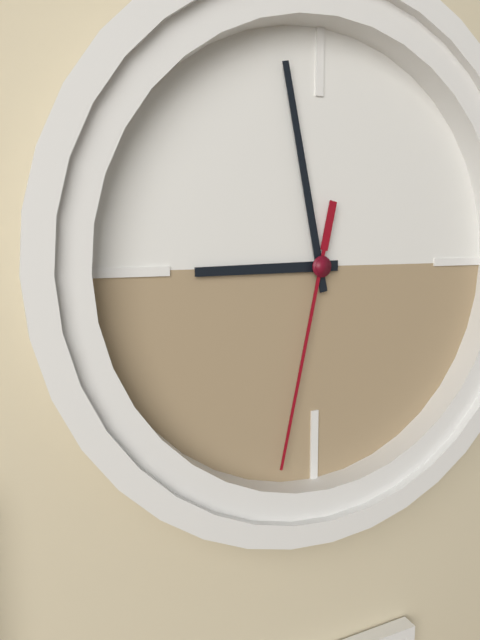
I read **8:58:32**
